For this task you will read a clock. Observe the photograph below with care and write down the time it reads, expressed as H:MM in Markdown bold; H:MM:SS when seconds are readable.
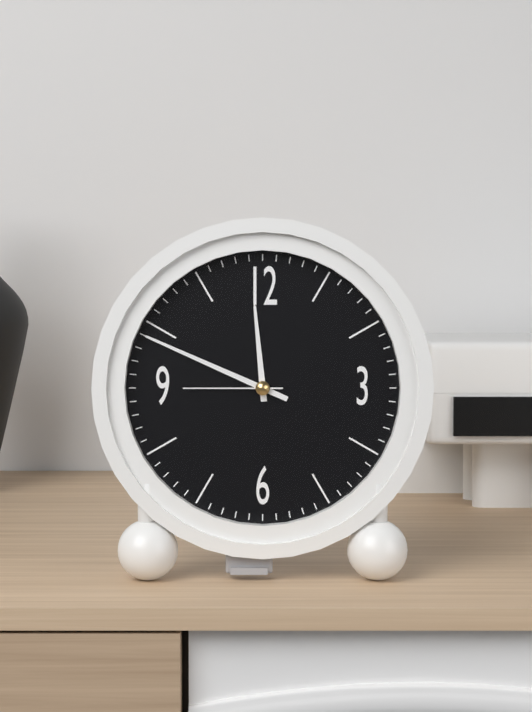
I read **11:49:45**
